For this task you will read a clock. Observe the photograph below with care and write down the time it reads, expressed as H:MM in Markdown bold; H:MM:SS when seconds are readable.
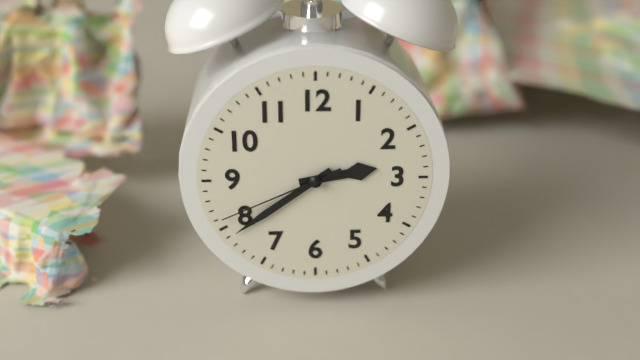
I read **2:39:41**
